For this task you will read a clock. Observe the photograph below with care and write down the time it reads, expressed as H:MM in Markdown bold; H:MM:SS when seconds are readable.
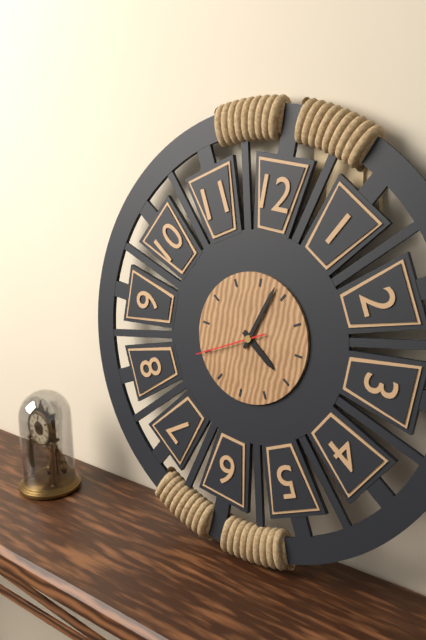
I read **4:03:40**
